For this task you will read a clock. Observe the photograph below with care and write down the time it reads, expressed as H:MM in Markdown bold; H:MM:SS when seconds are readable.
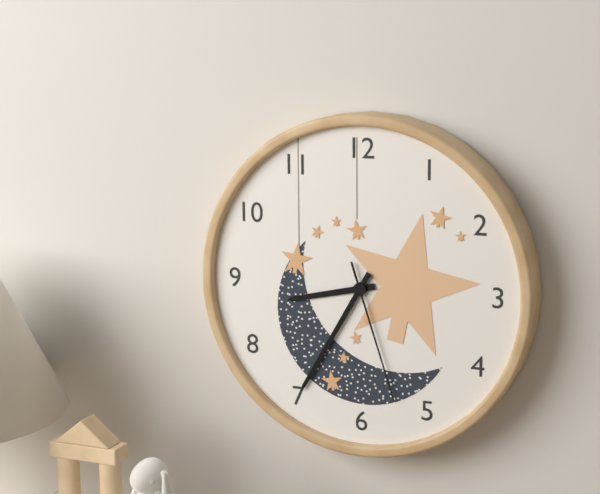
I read **8:35:27**
